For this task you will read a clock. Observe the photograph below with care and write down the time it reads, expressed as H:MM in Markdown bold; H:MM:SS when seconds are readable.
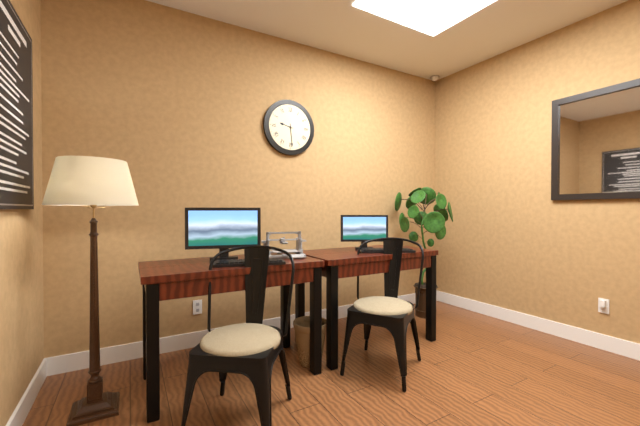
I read **9:29**
